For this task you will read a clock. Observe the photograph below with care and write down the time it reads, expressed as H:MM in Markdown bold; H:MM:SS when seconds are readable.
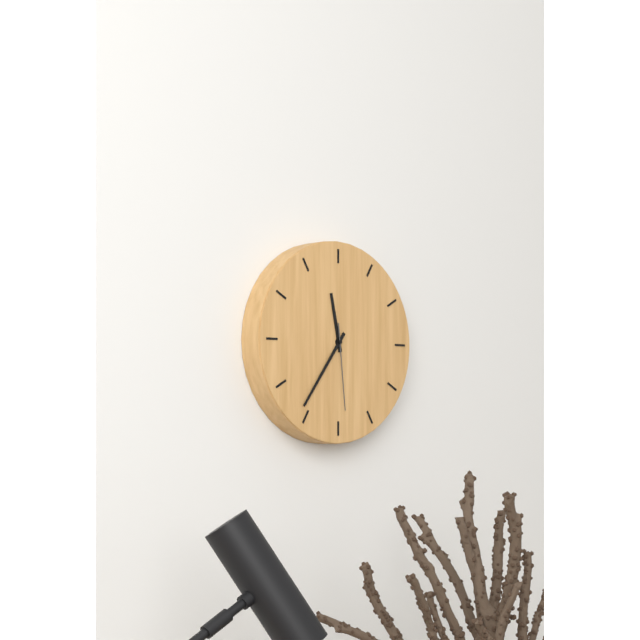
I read **11:36:29**
